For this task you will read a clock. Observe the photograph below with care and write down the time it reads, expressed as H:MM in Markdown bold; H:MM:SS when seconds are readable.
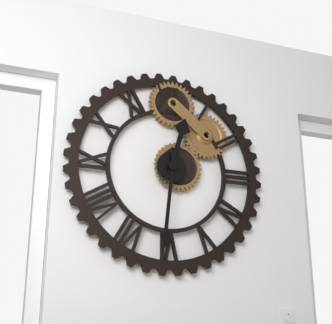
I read **12:31**
